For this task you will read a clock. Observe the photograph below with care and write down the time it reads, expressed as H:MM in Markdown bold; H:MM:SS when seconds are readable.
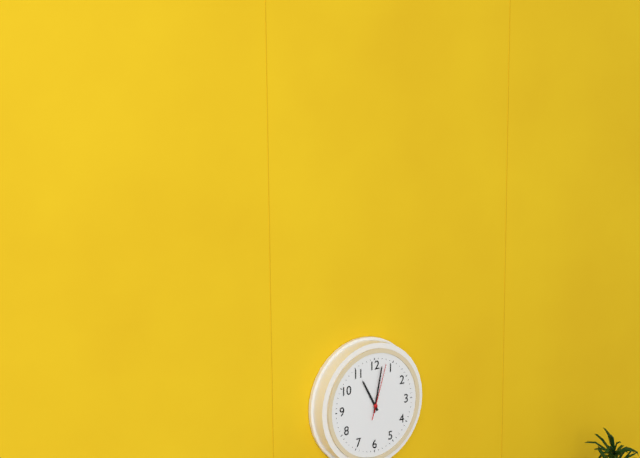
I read **11:02:03**
